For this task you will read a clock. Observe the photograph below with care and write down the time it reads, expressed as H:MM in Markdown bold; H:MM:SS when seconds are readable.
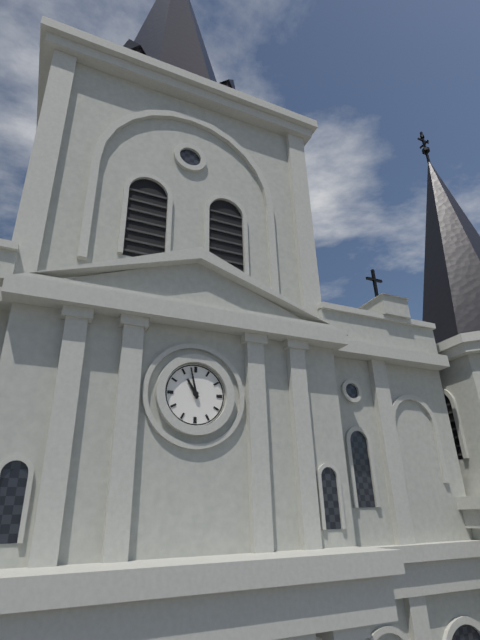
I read **10:58**
